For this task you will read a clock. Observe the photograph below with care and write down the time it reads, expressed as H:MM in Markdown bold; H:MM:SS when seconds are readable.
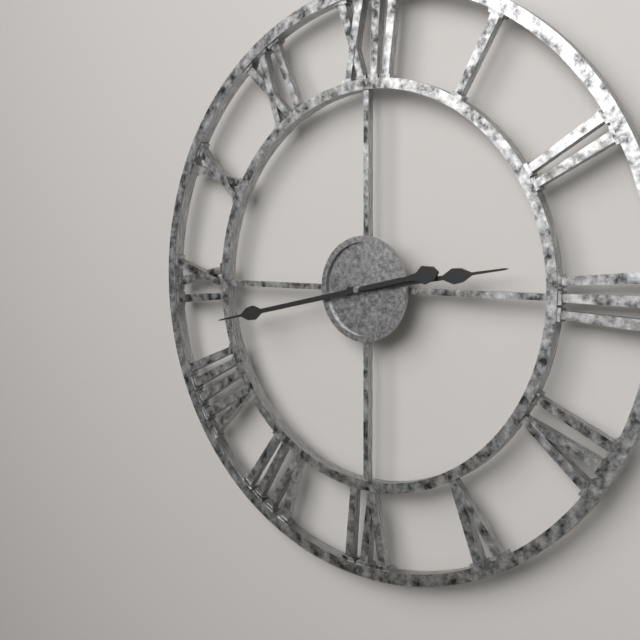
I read **2:43**
